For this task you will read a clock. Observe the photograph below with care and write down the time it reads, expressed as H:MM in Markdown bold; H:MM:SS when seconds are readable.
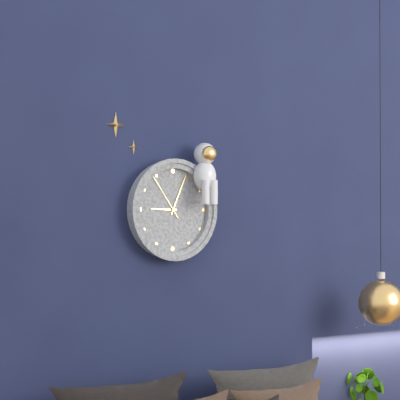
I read **9:04:54**
